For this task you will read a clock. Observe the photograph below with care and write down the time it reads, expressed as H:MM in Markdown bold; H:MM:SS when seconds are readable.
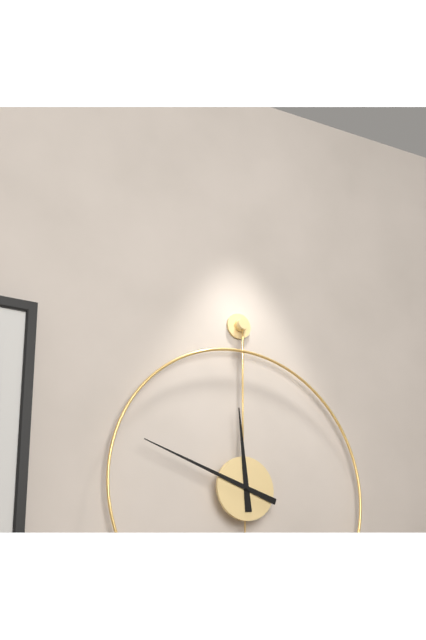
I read **11:48**
